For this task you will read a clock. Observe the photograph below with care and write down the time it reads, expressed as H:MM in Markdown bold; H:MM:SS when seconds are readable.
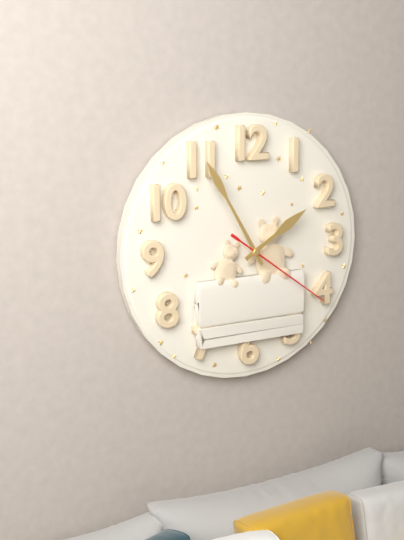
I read **1:55:21**
